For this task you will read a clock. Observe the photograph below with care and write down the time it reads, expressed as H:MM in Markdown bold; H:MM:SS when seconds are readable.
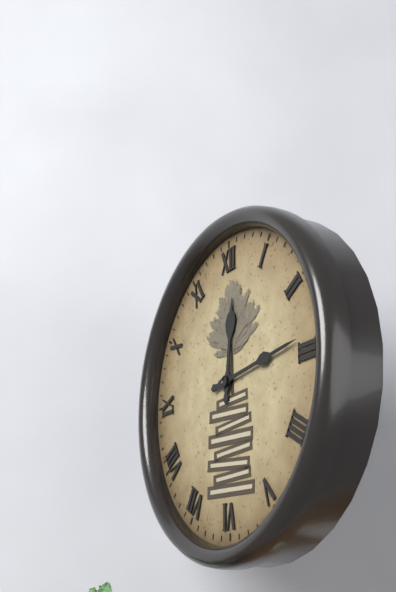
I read **12:14**
